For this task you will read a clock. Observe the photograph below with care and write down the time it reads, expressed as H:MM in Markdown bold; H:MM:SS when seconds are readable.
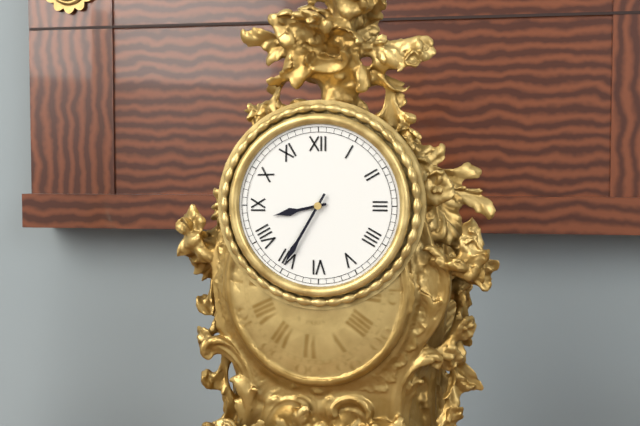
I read **8:35**
